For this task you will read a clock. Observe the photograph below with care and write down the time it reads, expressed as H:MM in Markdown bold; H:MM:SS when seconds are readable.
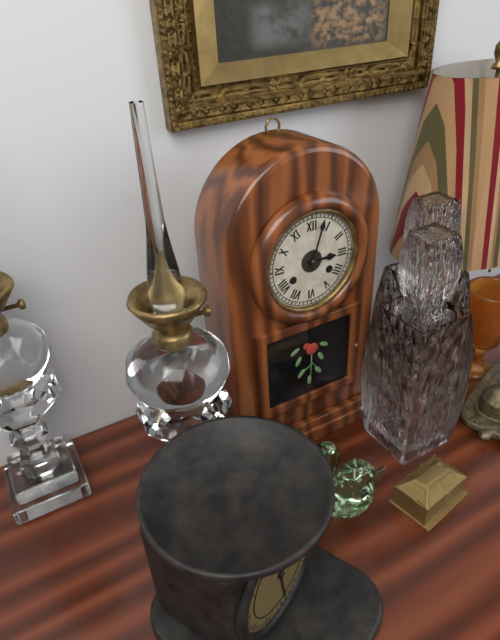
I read **3:03**
